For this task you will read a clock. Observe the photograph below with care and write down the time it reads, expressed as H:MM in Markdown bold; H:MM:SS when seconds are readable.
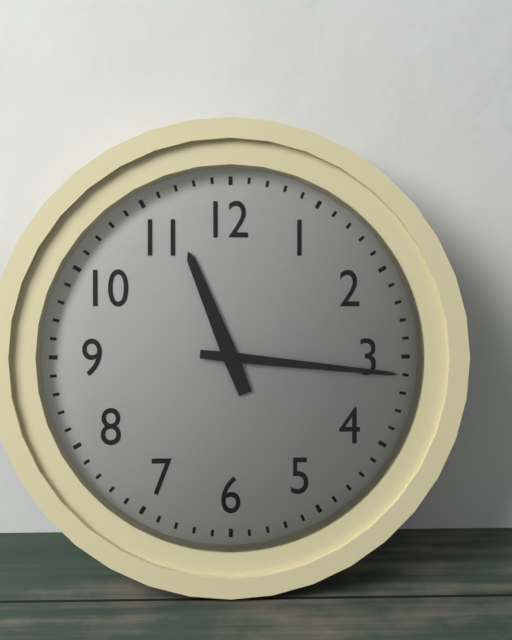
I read **11:16**
